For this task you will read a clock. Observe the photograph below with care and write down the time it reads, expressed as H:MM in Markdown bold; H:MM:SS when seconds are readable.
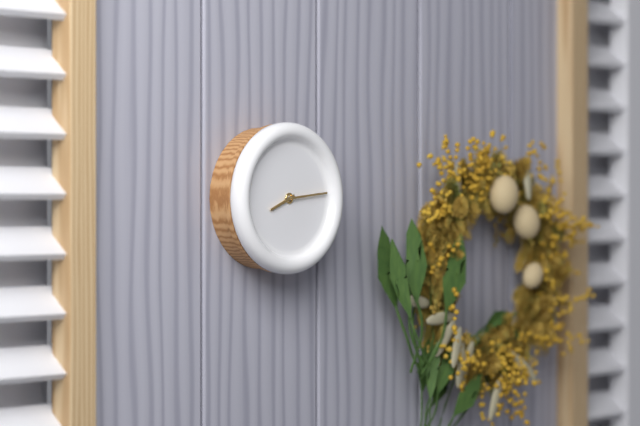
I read **8:14**
